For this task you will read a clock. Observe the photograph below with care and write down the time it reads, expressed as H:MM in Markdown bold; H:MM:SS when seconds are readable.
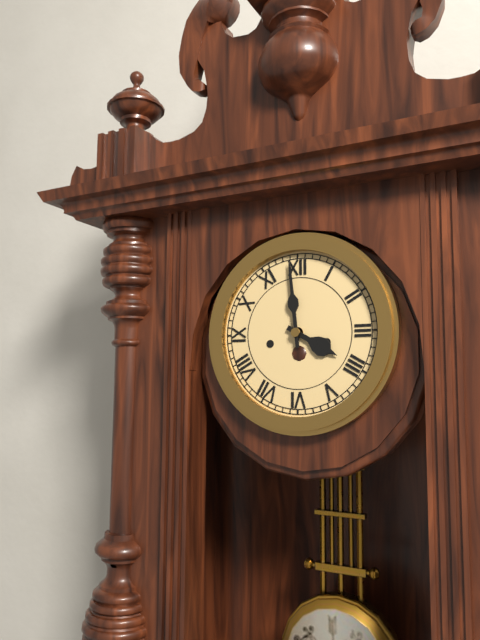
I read **3:59**
